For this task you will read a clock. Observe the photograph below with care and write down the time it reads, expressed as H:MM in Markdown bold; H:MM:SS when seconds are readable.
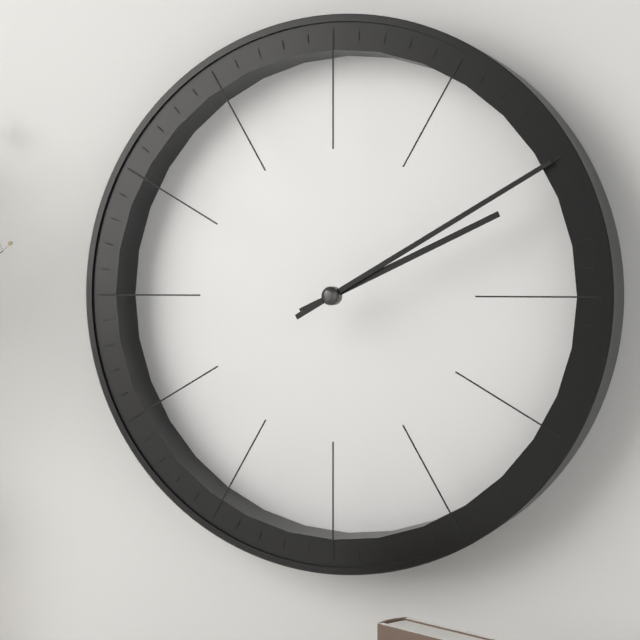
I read **2:10**
